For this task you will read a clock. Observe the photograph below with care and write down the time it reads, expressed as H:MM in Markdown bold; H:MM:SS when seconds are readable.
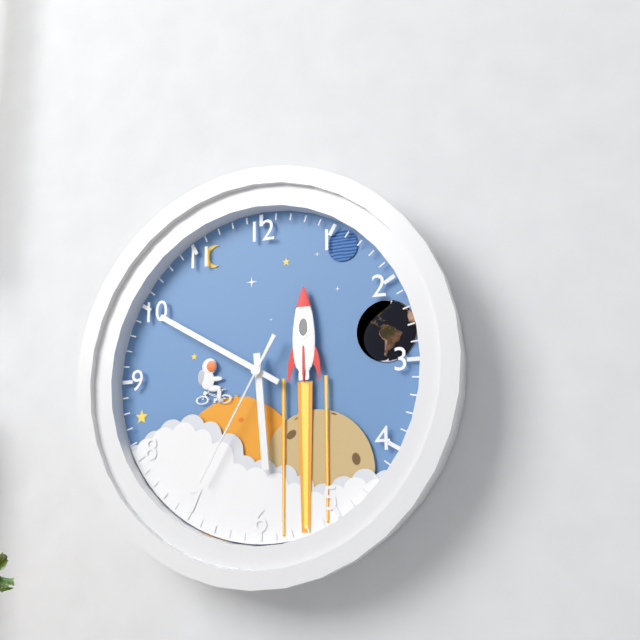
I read **5:50:35**
